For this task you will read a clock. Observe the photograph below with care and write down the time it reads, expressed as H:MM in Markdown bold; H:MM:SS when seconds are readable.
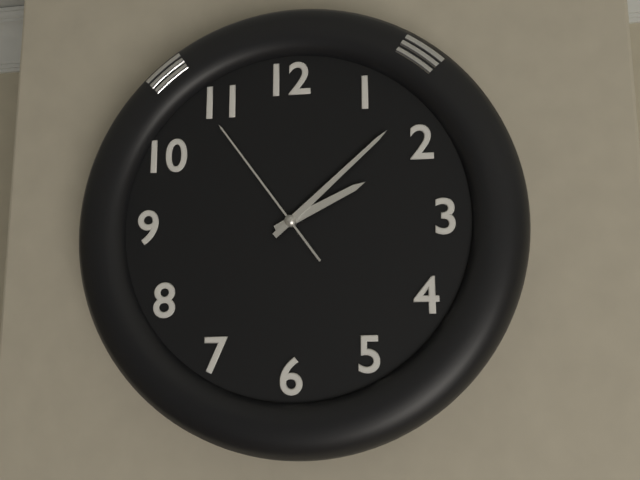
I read **2:08:54**
